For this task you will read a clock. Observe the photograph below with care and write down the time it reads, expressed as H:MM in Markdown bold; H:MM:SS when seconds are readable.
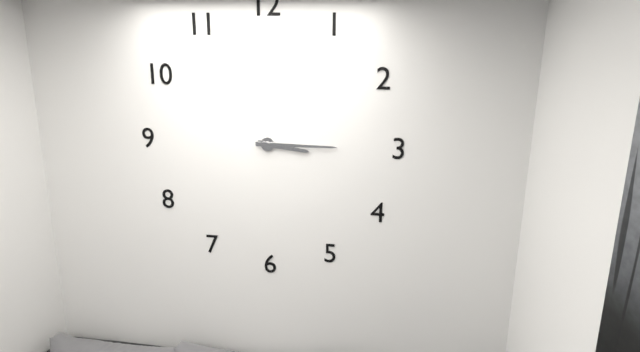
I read **3:15**
